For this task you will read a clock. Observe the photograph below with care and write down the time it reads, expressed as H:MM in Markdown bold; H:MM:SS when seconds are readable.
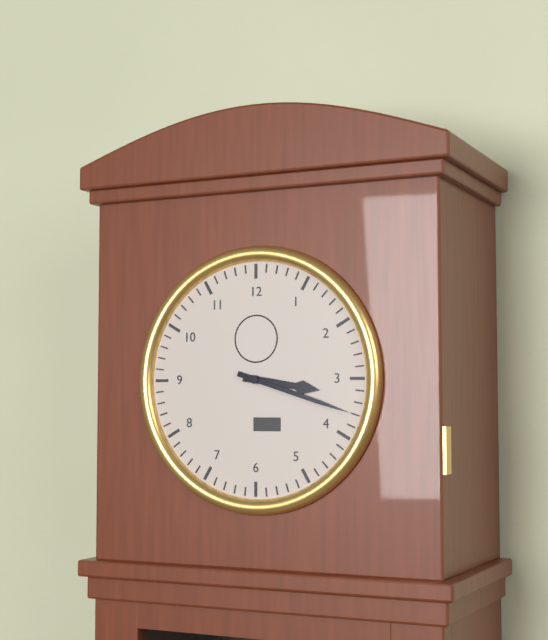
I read **3:18**
